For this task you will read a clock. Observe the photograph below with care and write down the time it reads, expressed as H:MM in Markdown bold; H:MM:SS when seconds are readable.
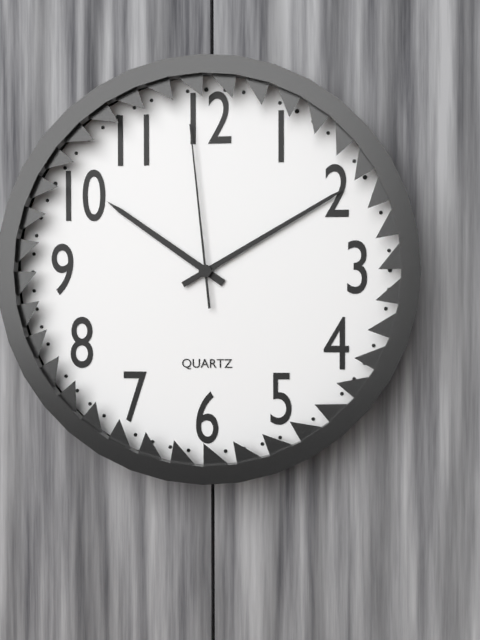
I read **10:10:59**
